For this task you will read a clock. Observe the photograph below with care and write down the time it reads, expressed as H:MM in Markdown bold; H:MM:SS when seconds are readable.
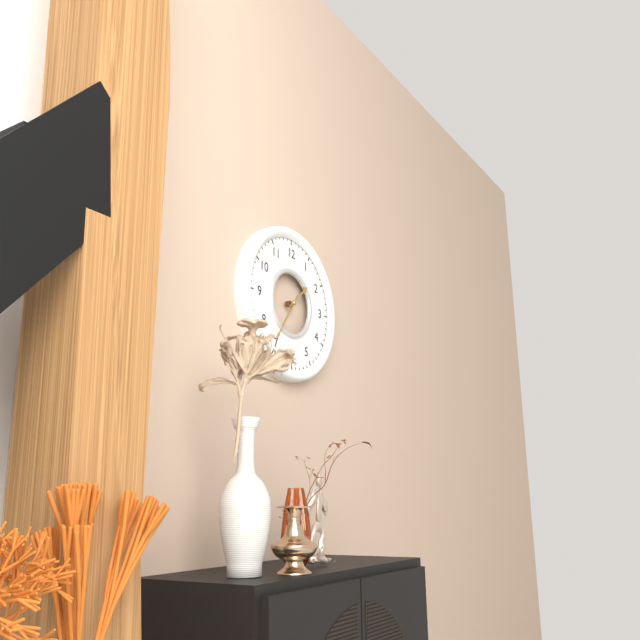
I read **1:36**
